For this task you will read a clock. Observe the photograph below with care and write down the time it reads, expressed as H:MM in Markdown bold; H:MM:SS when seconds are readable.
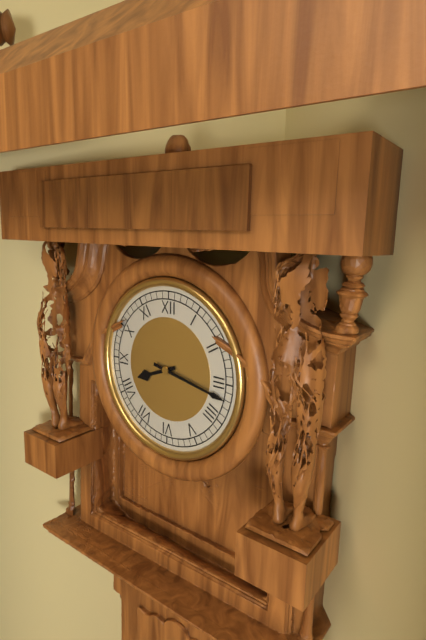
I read **8:17**
